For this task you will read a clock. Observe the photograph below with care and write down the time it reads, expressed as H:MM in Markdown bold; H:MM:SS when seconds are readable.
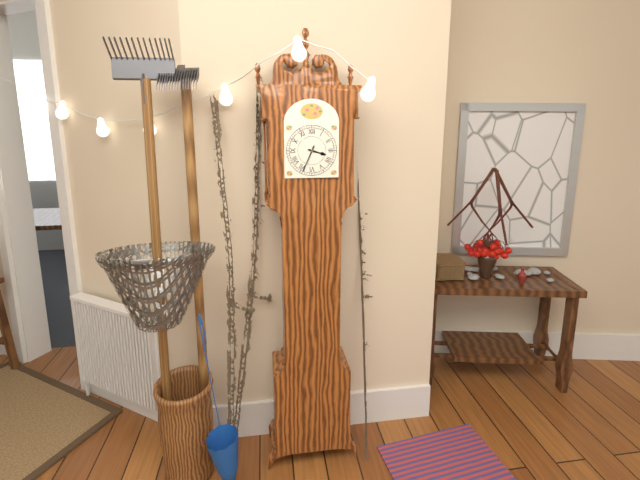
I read **3:34**
